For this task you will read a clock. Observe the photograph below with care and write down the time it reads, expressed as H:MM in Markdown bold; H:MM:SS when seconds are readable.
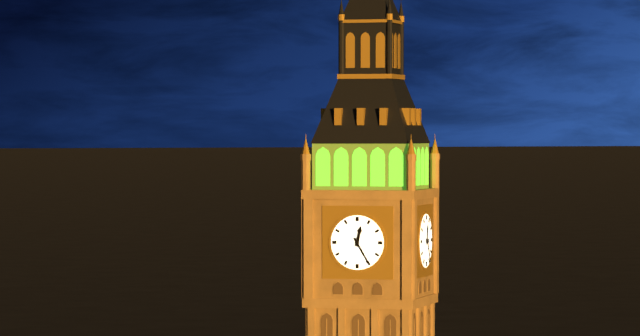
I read **12:25**
